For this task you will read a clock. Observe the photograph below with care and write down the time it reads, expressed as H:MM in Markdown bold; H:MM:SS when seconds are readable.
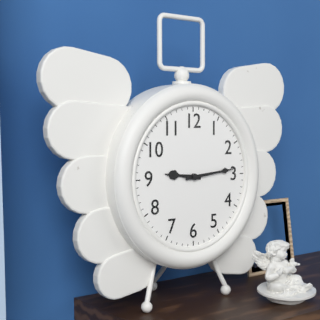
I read **9:14**
